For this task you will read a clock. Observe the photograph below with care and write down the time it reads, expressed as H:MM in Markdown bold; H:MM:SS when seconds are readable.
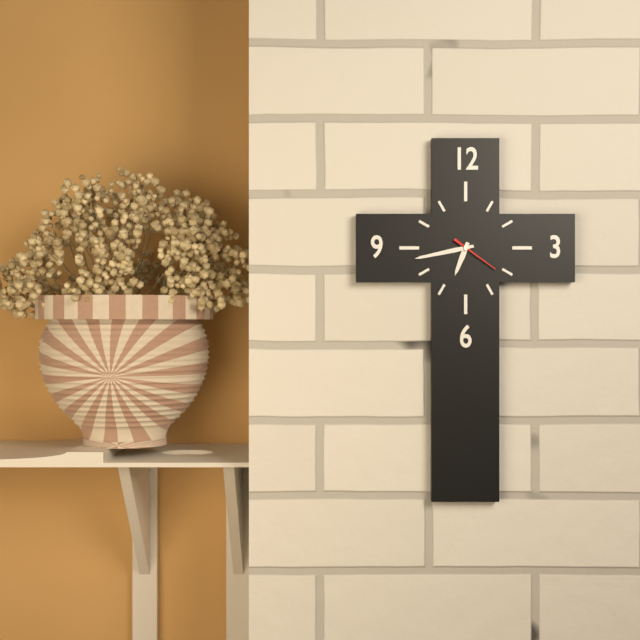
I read **6:43**
